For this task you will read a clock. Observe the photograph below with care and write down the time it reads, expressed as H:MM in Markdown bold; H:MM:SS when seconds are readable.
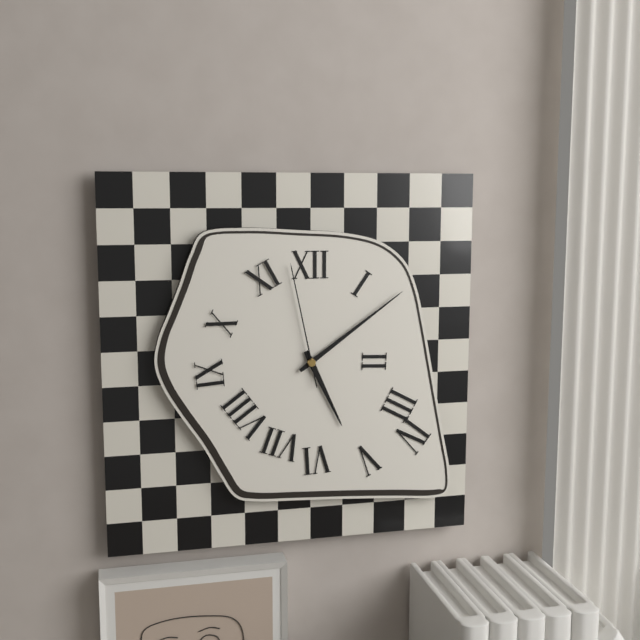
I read **5:09:58**
